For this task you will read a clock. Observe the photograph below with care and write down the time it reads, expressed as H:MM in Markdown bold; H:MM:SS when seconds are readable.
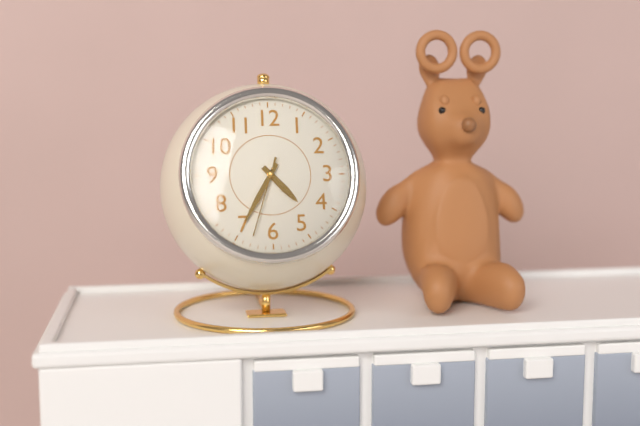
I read **4:35:33**
